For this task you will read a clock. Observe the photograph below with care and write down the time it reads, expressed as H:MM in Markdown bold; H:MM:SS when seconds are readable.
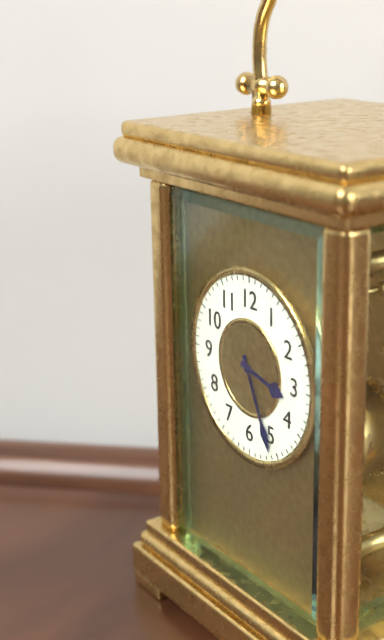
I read **3:26**
